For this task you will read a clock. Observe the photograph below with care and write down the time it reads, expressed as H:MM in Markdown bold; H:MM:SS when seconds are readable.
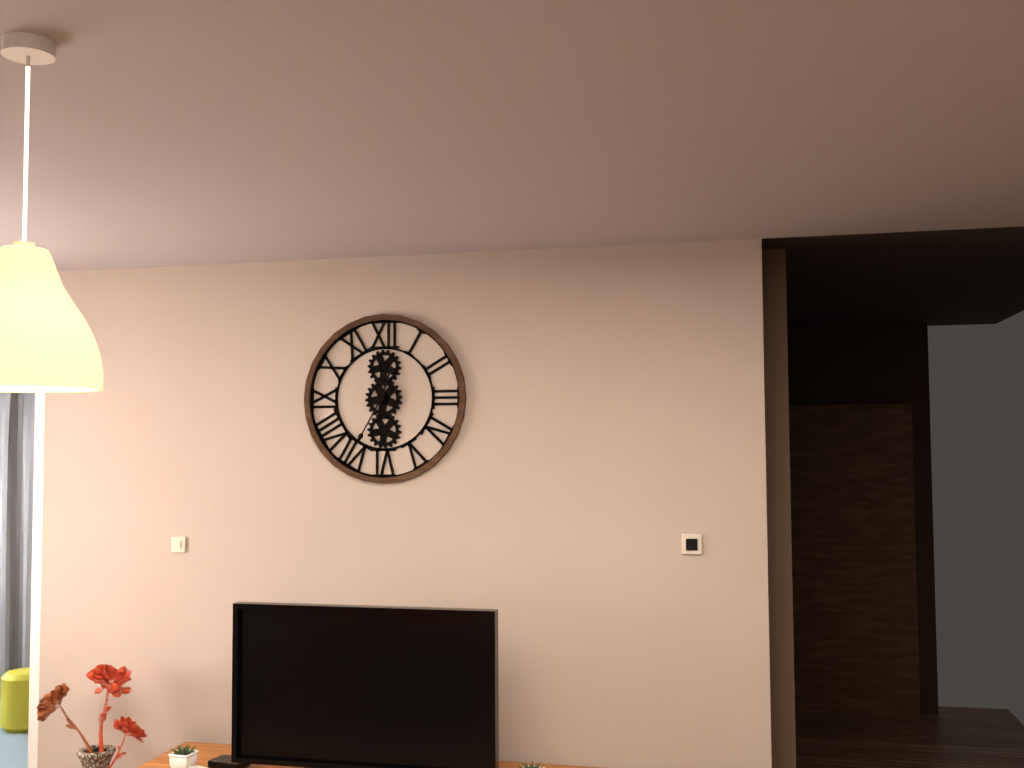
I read **12:35**
